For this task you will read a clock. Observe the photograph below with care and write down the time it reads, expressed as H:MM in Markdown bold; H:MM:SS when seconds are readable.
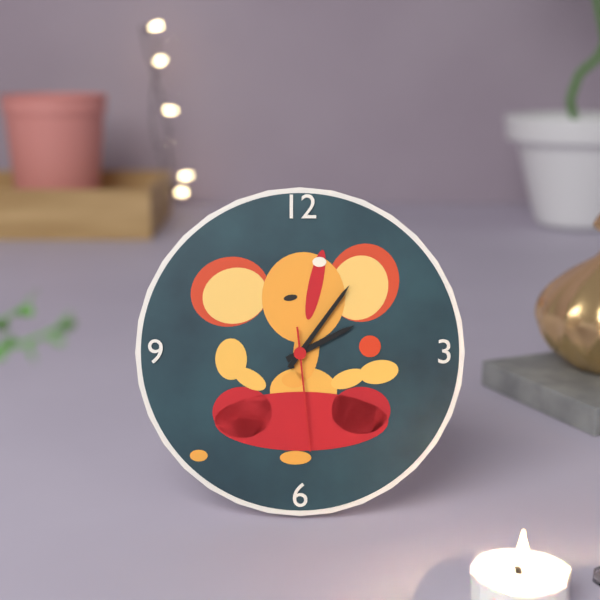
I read **2:06:29**
